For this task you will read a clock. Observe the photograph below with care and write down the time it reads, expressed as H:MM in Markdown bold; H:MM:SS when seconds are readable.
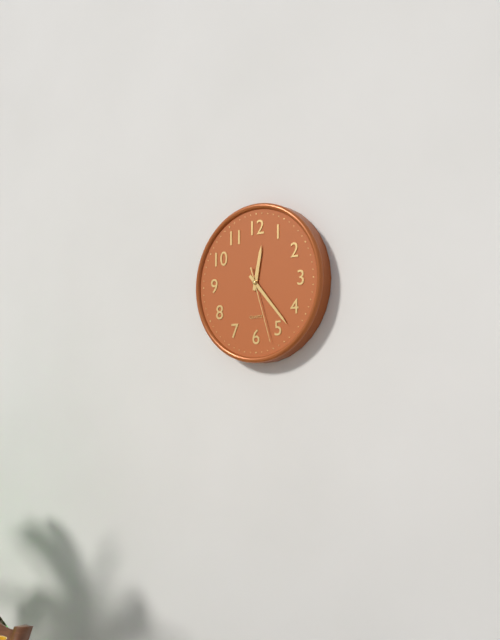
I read **12:23:27**
